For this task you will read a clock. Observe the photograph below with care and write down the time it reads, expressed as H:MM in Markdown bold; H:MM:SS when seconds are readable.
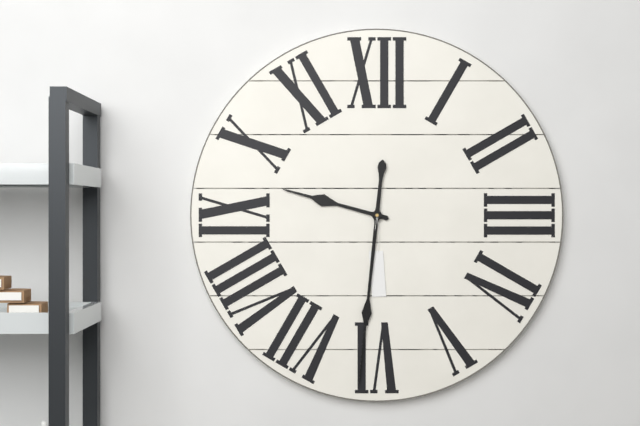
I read **9:31**
